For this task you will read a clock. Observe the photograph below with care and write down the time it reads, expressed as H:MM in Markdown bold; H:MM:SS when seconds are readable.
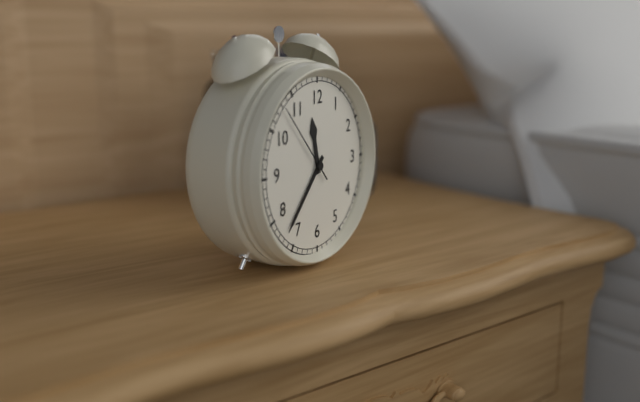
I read **11:37:53**
